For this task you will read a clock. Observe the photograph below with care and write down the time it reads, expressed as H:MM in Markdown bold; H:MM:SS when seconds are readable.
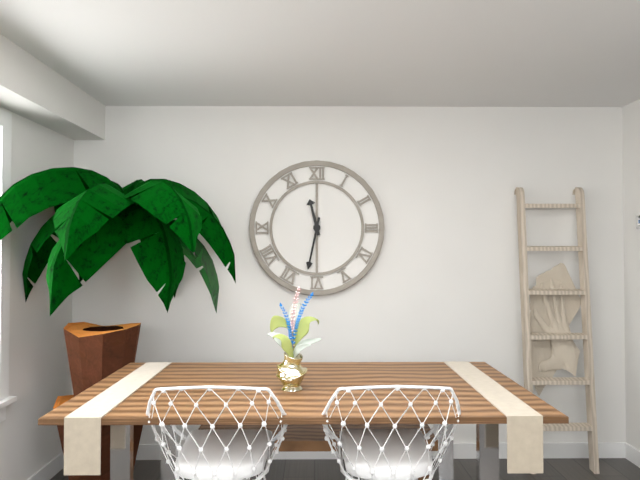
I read **11:32**
